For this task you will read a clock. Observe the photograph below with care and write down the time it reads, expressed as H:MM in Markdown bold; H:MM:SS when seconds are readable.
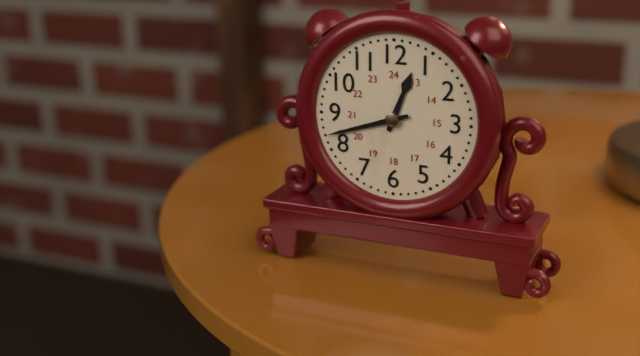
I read **12:42**
